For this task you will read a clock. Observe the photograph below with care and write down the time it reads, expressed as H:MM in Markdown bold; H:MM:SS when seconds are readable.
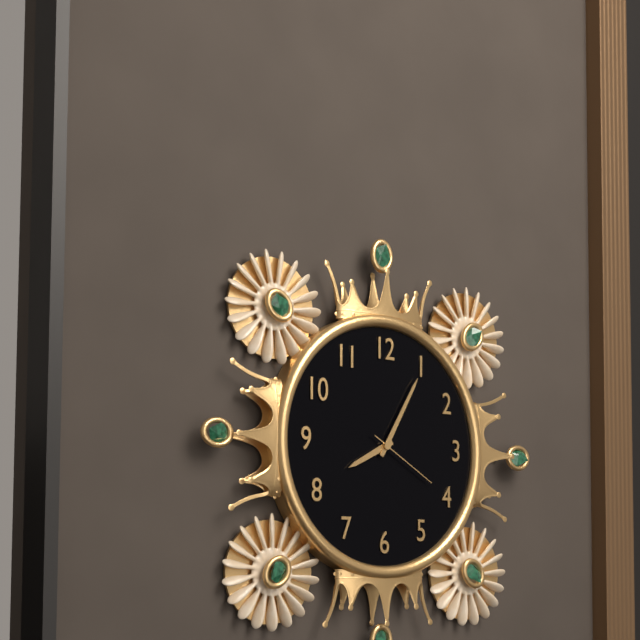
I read **8:05:20**
